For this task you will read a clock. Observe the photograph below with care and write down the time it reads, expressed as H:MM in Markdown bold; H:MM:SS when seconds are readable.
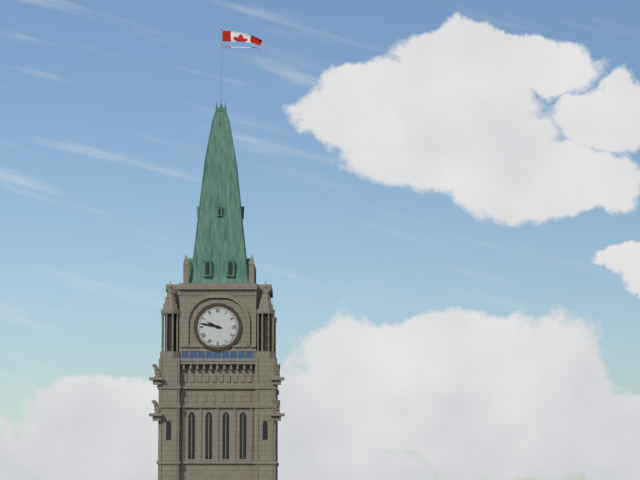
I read **9:47**
